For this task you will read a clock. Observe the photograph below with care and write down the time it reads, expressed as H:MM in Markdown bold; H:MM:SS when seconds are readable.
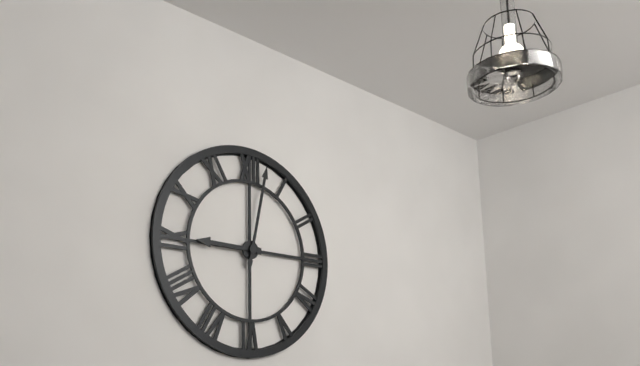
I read **9:02**
